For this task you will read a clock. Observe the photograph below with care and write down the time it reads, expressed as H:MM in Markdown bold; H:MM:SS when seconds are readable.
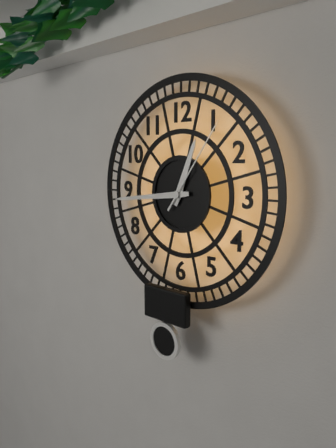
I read **12:44:06**
